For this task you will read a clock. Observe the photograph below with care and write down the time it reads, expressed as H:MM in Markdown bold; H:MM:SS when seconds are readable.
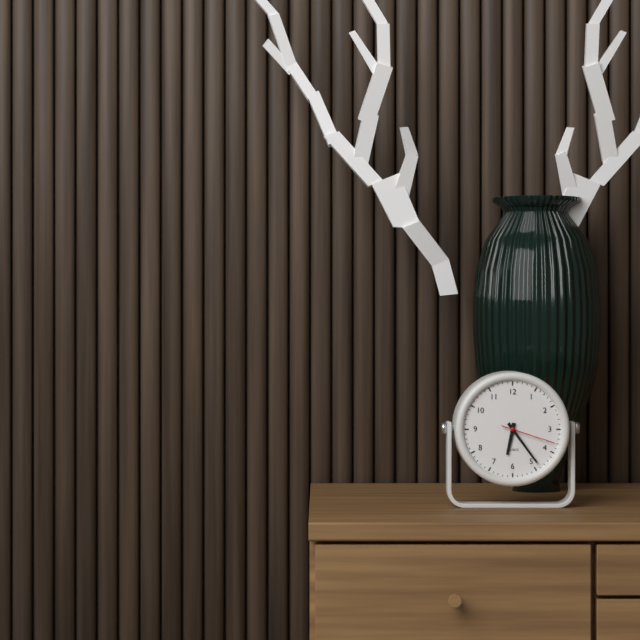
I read **6:24:18**
